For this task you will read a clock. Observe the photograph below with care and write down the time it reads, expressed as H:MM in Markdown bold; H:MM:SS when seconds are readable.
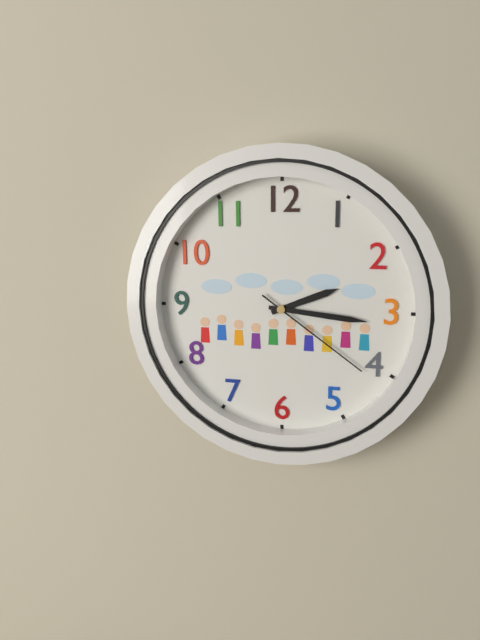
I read **2:16:21**
